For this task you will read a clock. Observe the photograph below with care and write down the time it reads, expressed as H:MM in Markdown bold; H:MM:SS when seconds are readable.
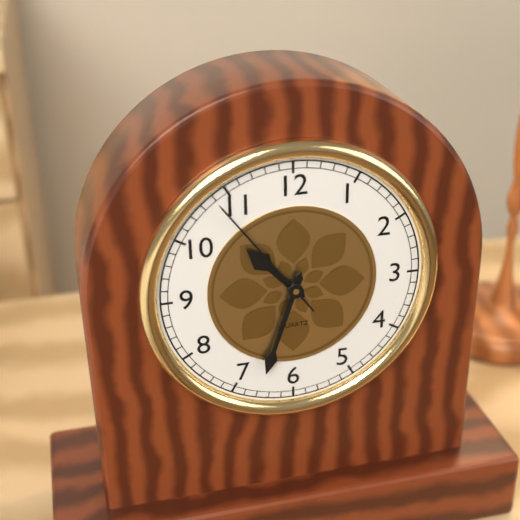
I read **10:33:54**
